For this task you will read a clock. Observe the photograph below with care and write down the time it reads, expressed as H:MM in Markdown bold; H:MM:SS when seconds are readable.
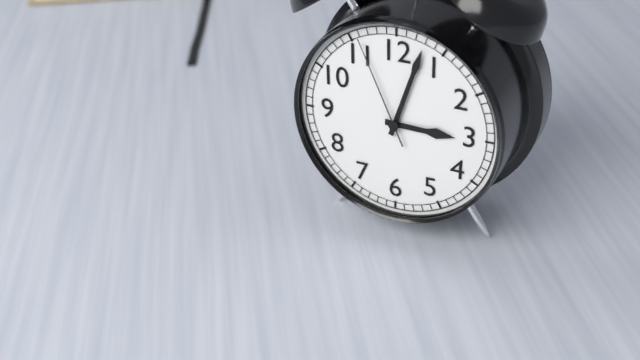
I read **3:03:56**
